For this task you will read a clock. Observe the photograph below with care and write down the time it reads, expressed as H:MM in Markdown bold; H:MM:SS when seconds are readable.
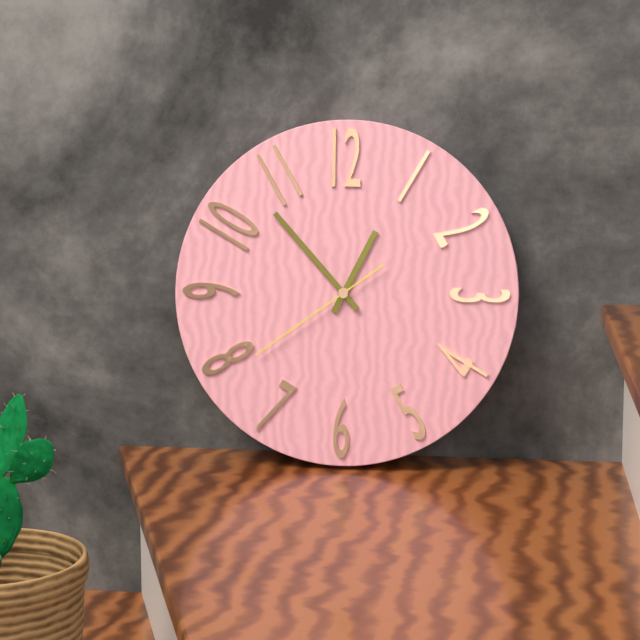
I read **12:53:39**
